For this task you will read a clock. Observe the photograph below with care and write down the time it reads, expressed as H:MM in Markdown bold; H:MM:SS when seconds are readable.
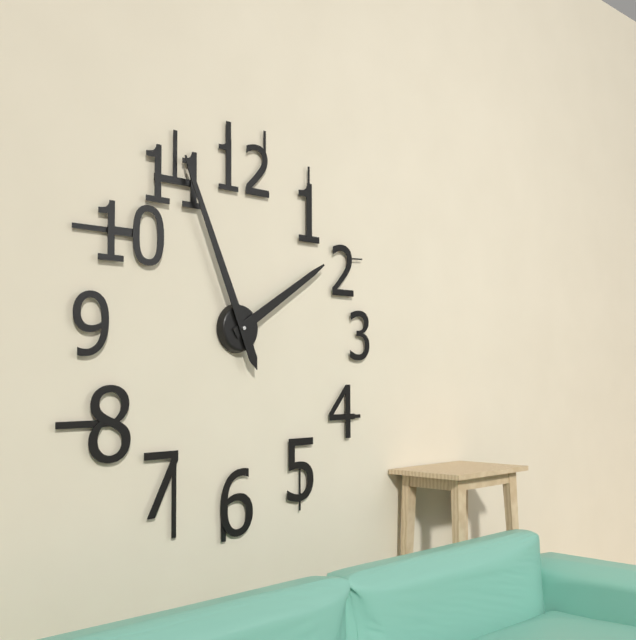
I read **1:56**
